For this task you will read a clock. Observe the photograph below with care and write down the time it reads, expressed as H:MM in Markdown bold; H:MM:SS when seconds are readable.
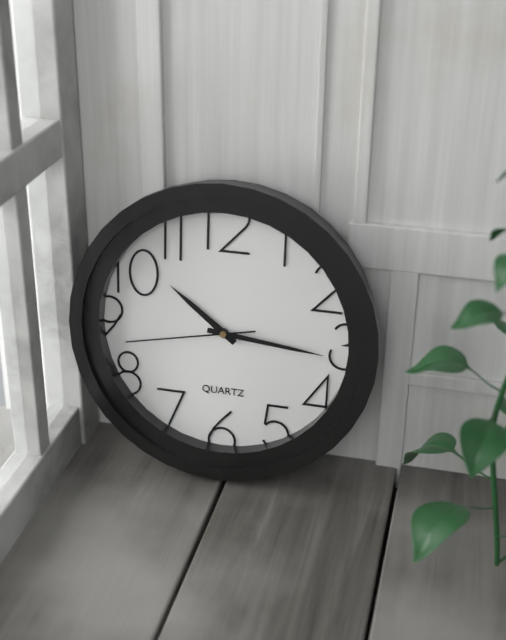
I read **10:16:43**
